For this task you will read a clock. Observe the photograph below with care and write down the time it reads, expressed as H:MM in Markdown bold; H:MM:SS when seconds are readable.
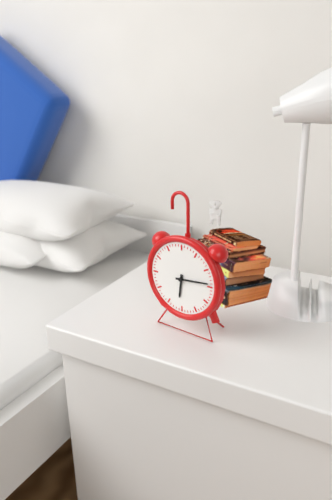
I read **6:14**
